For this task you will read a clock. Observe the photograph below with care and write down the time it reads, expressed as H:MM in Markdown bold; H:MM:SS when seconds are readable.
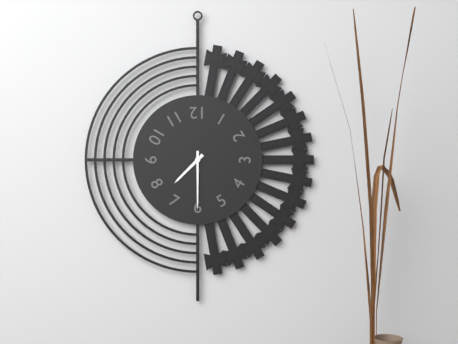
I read **7:30**
